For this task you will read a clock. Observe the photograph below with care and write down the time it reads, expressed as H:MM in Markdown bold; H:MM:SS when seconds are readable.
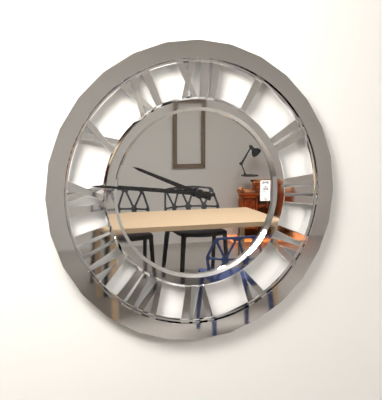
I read **9:46**
